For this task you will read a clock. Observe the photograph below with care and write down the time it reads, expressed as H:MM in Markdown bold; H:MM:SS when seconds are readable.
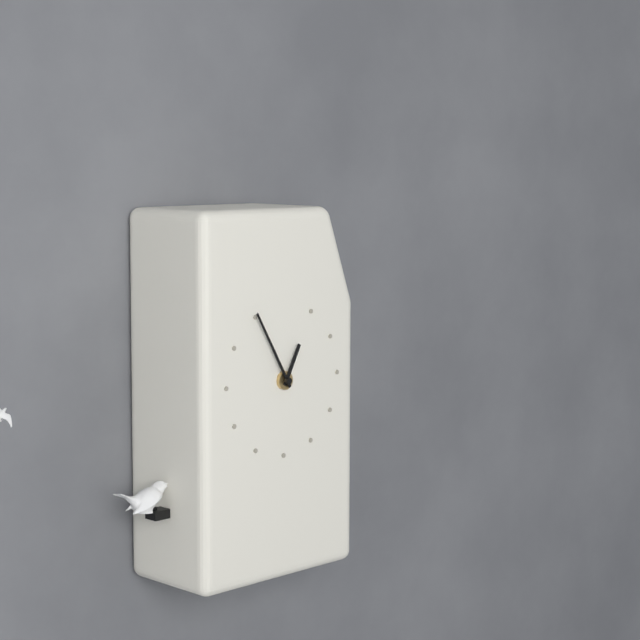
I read **12:55**
